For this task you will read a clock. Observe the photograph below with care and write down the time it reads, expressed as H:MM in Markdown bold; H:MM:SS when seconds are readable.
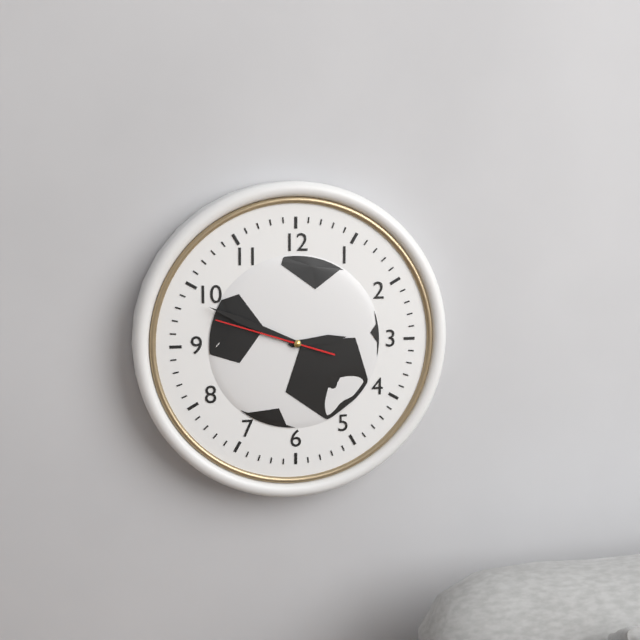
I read **2:49:48**
